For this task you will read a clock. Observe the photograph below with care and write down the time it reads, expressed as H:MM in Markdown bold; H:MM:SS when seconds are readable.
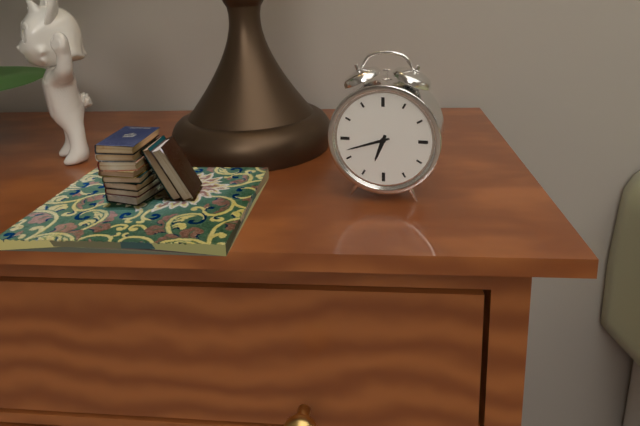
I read **6:42**
